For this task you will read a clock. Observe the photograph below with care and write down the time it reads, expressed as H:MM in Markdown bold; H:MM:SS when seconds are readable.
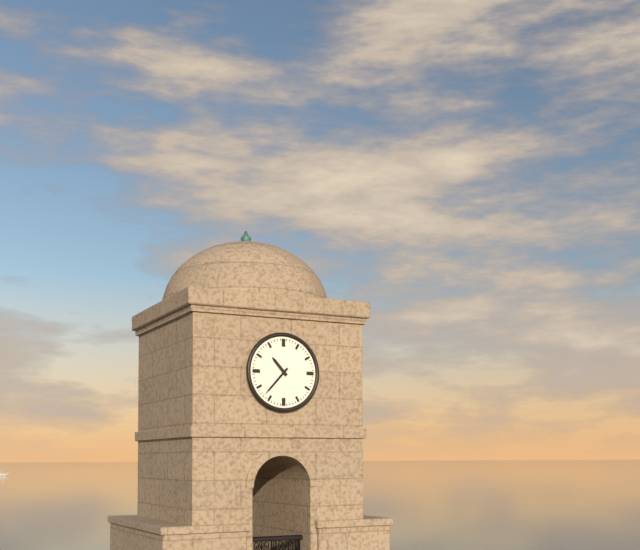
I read **10:37**
